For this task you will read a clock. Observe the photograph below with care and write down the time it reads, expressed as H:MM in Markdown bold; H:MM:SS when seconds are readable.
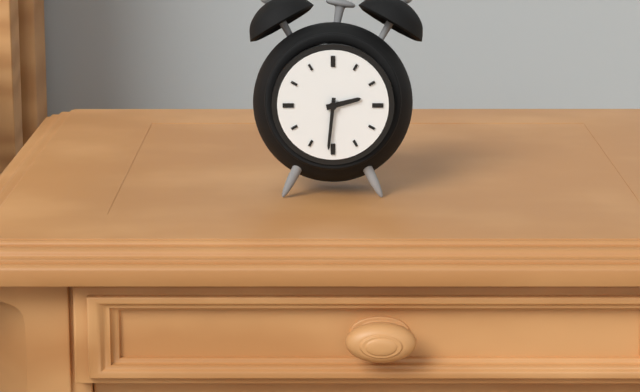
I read **2:31**
